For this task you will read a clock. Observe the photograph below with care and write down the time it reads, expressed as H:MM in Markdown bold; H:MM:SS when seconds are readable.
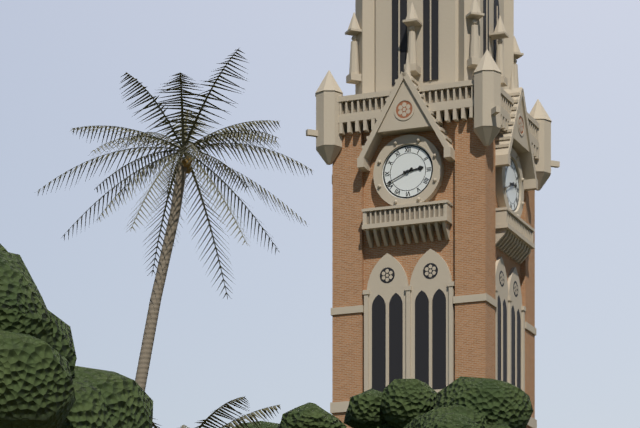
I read **2:41**
